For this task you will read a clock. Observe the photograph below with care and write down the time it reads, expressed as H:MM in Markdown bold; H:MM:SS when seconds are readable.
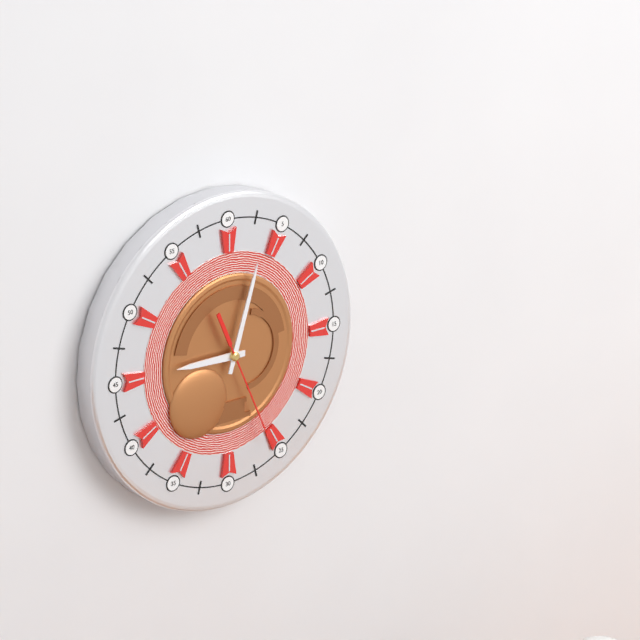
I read **9:03:26**
